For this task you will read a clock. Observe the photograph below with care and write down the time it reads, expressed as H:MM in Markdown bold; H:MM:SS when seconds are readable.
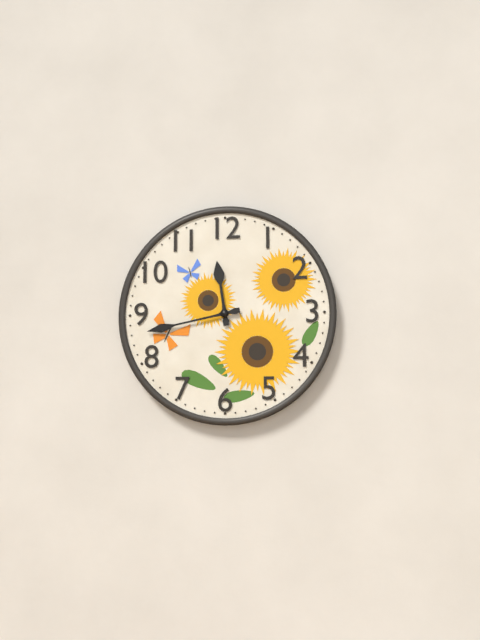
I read **11:43**
